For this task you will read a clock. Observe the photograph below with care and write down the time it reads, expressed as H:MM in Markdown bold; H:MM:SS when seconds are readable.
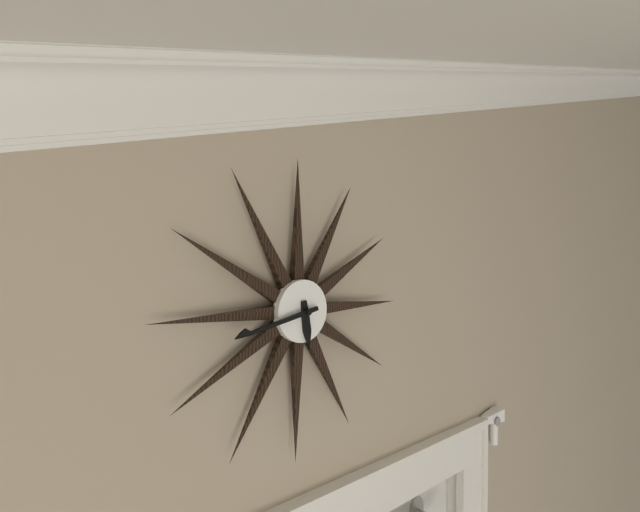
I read **5:43**
